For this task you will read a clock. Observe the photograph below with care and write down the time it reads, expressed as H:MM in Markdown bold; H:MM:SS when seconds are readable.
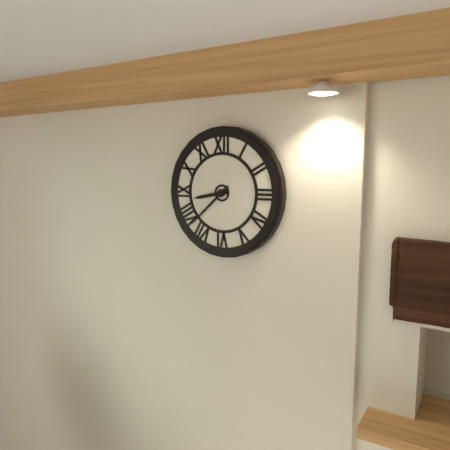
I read **8:38**
